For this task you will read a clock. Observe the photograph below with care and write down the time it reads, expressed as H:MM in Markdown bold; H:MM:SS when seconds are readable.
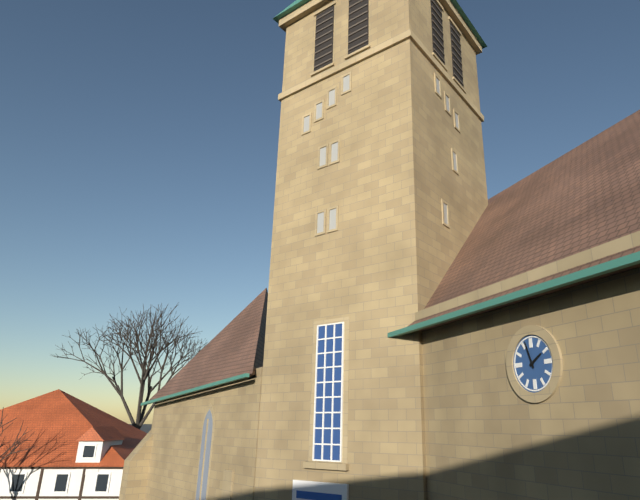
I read **1:57**
